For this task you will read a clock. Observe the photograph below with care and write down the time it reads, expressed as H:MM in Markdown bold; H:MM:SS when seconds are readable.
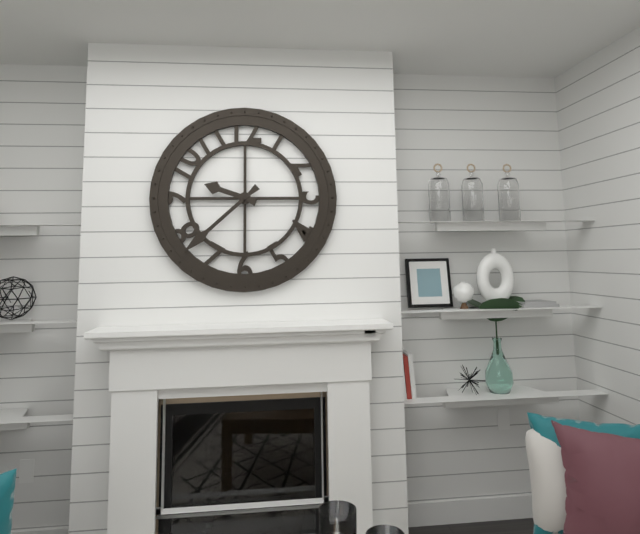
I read **9:38**
